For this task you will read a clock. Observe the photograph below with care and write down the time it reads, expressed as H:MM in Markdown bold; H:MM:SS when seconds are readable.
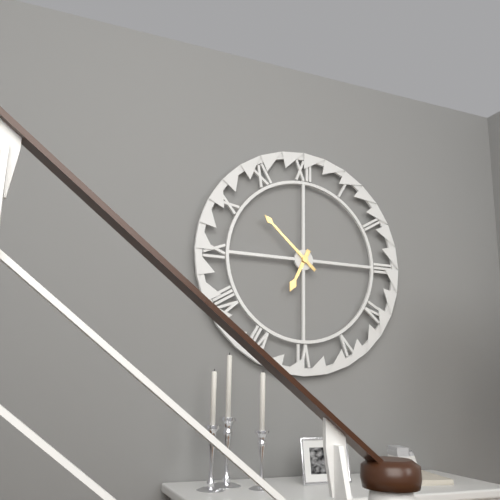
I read **6:52**
